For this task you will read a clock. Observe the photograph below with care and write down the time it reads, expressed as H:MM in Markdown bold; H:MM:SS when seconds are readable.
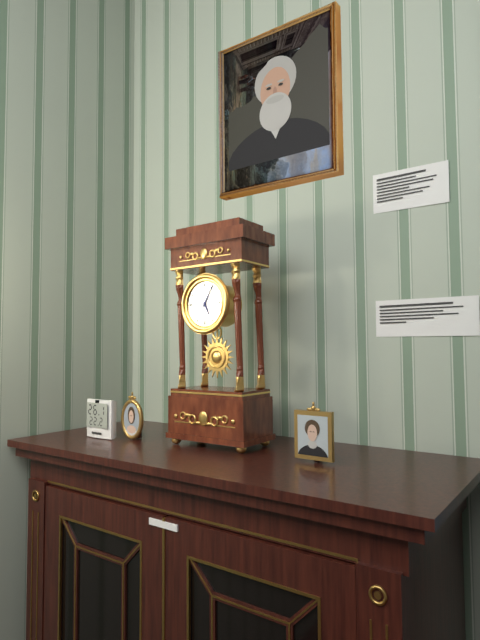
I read **5:05**
